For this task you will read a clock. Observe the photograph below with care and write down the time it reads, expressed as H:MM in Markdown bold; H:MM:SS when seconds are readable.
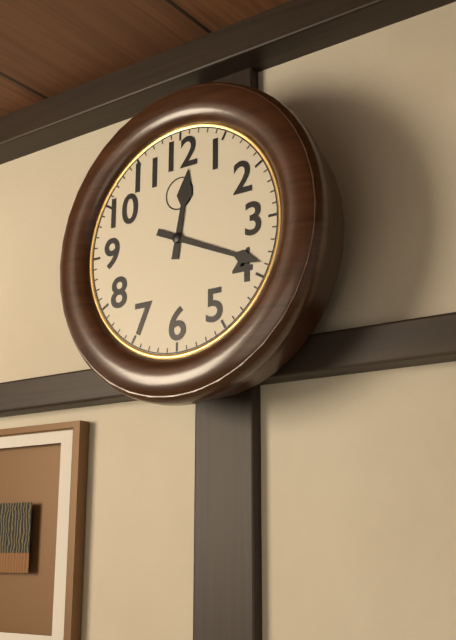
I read **12:19**
